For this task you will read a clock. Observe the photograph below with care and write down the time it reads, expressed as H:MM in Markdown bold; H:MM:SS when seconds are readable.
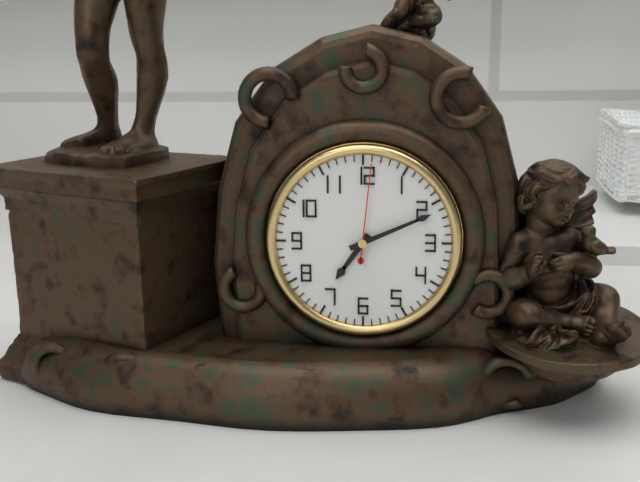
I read **7:11:01**
